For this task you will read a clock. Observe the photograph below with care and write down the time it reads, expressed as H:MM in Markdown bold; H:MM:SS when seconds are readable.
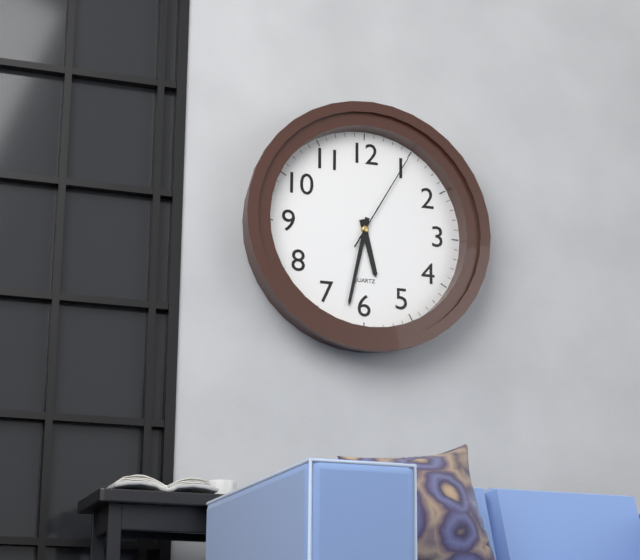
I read **5:32:05**
